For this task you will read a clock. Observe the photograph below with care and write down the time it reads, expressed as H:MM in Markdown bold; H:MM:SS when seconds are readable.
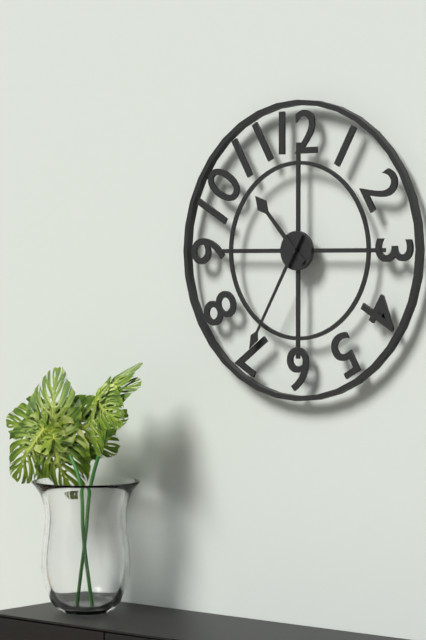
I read **10:35**
